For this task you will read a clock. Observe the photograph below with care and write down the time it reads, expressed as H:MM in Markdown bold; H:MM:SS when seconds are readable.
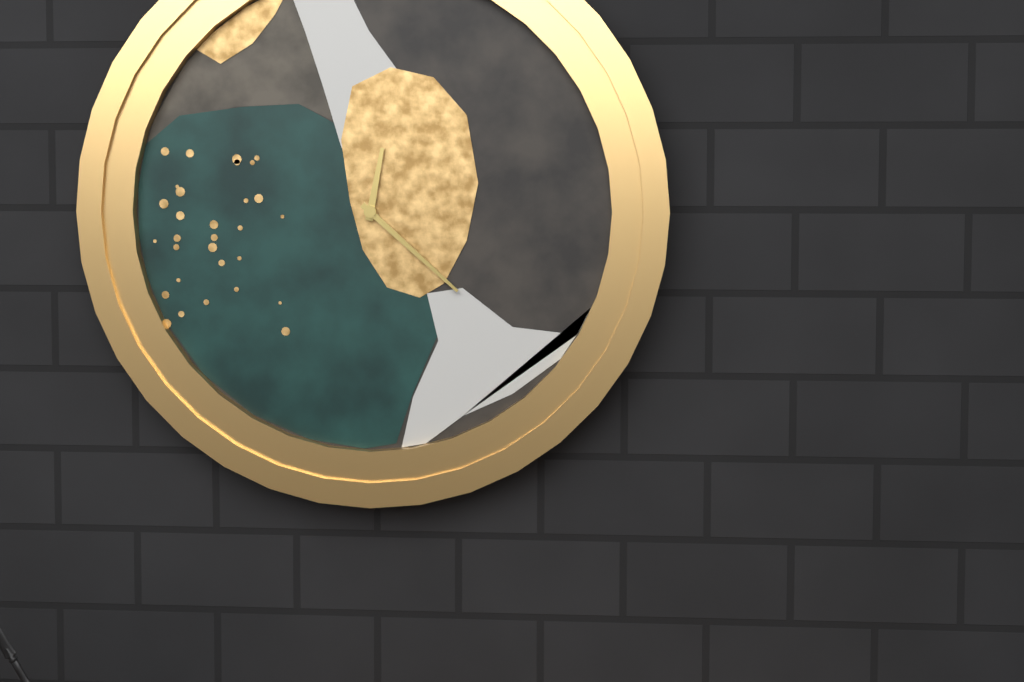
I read **12:22**
